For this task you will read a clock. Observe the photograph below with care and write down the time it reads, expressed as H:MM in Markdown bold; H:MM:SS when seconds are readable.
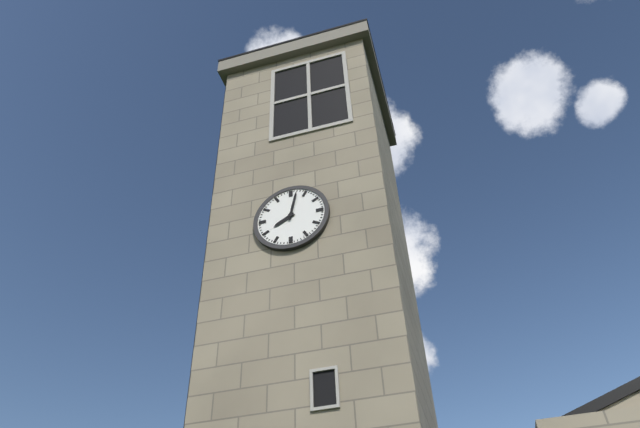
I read **8:02**
